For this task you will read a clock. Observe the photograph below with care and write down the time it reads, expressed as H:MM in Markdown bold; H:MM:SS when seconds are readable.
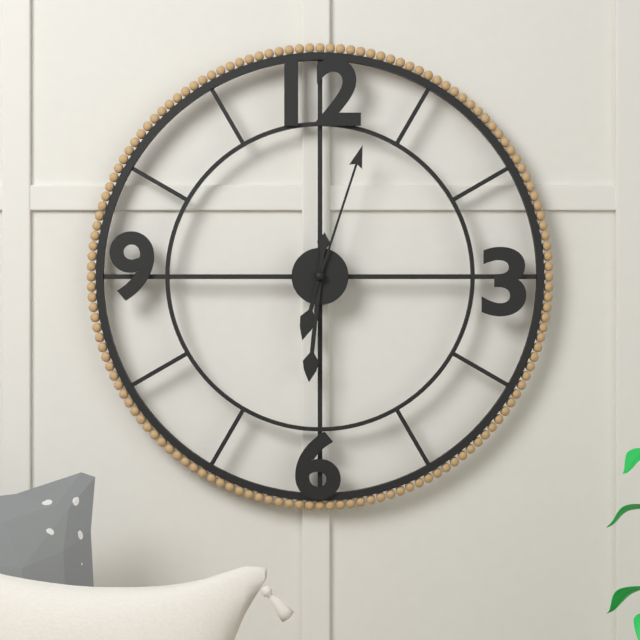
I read **6:31:03**
